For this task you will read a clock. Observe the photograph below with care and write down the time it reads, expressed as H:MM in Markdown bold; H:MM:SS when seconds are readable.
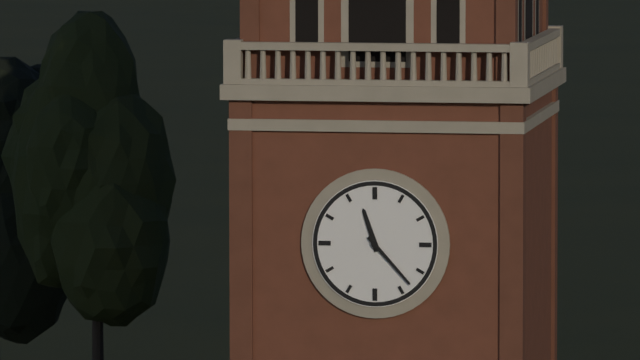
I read **11:23**
